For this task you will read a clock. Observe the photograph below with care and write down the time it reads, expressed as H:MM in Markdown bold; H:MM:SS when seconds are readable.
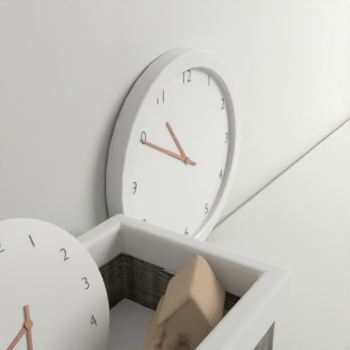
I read **10:50**
